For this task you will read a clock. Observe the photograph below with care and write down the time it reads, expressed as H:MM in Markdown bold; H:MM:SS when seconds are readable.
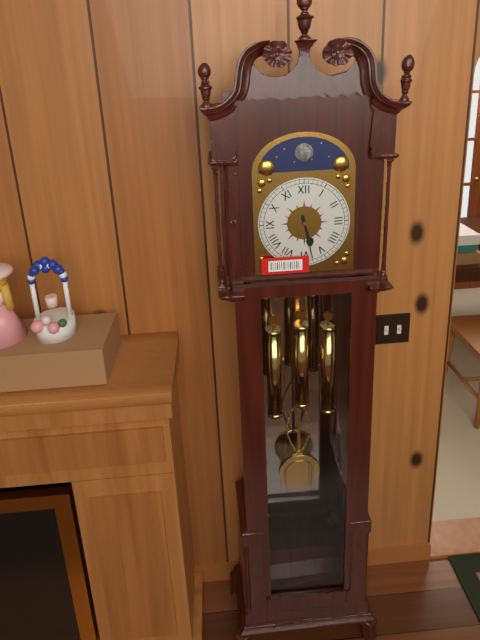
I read **5:28**
